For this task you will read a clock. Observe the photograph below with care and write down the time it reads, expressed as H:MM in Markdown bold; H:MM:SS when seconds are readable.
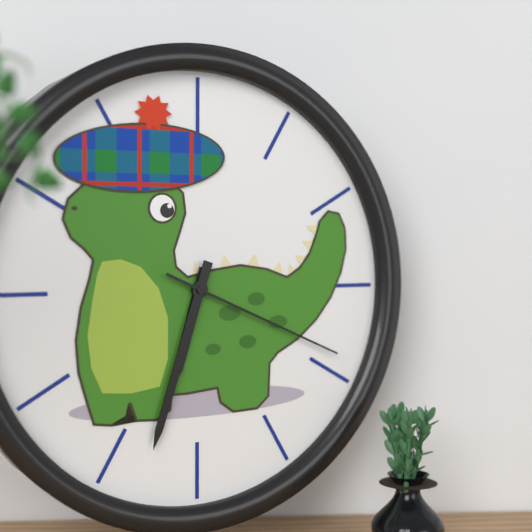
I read **6:33:19**
